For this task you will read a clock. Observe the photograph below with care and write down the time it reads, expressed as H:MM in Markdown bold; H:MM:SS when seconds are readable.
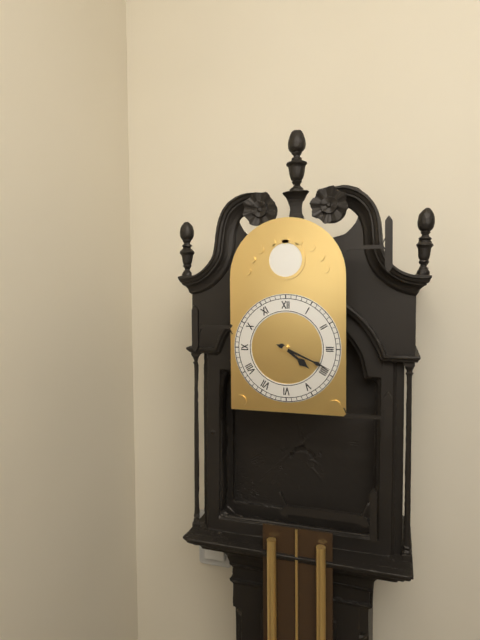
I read **4:19**
